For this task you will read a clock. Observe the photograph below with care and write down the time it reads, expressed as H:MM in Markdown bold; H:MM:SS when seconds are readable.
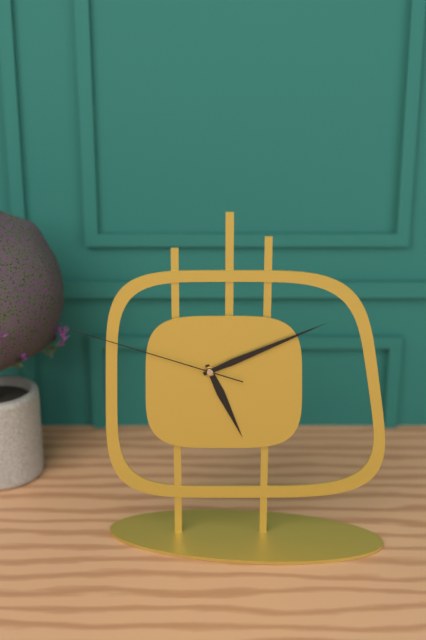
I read **5:11:48**
